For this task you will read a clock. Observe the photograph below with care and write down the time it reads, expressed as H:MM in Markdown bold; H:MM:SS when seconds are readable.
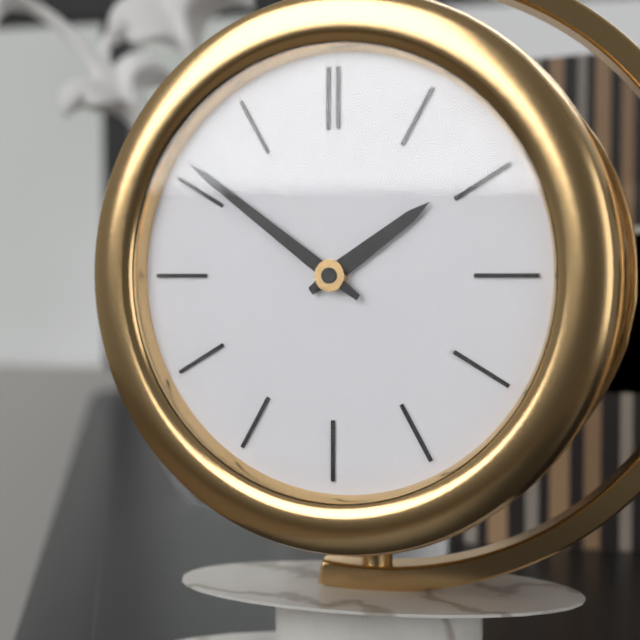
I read **1:51**
